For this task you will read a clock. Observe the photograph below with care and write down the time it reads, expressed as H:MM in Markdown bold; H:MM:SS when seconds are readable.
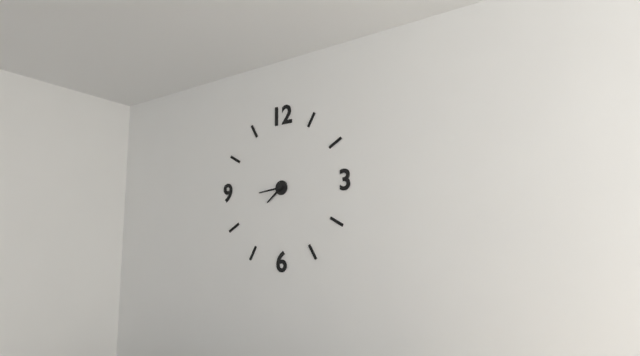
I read **7:44**
